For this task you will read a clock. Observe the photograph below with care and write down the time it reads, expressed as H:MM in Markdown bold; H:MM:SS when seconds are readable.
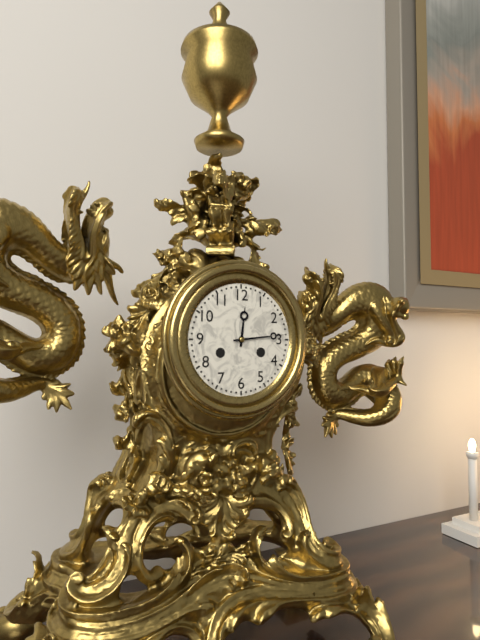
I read **12:14**
